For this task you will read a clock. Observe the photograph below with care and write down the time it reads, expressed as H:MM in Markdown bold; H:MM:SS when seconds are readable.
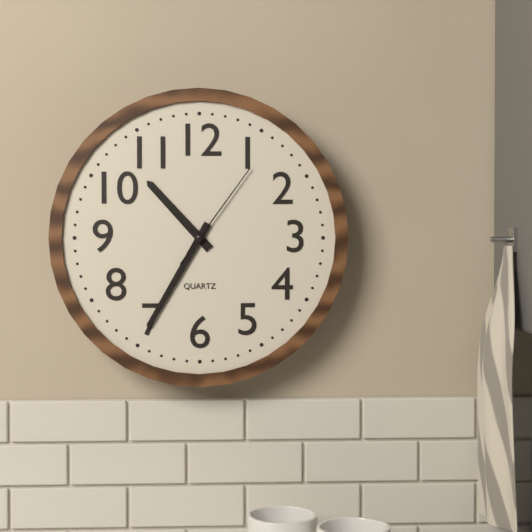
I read **10:35:06**
